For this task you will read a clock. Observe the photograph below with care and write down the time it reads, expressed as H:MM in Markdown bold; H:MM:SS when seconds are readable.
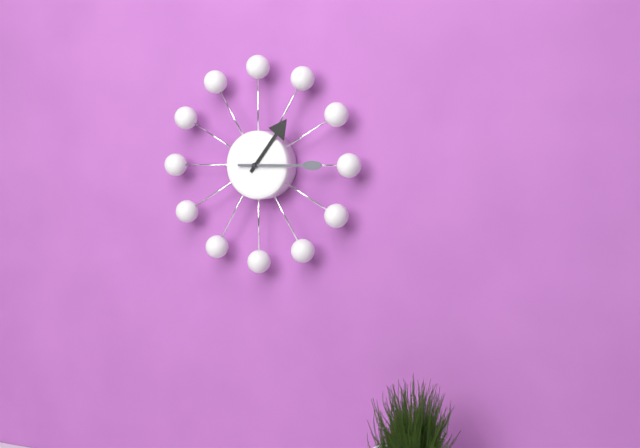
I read **1:15**
